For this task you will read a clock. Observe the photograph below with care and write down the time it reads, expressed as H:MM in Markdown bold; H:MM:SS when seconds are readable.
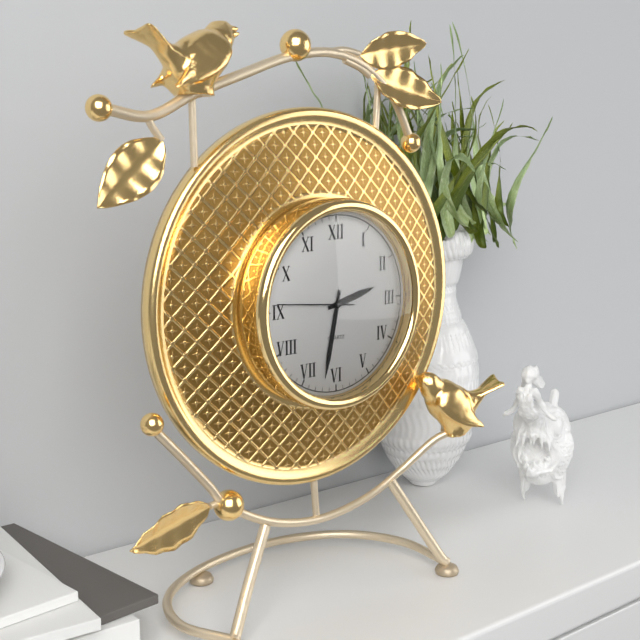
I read **2:32:46**
